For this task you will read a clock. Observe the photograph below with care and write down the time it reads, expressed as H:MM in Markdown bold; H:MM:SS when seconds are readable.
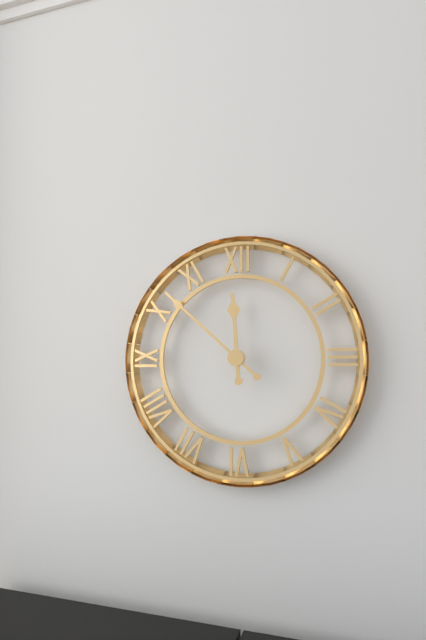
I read **11:52**
